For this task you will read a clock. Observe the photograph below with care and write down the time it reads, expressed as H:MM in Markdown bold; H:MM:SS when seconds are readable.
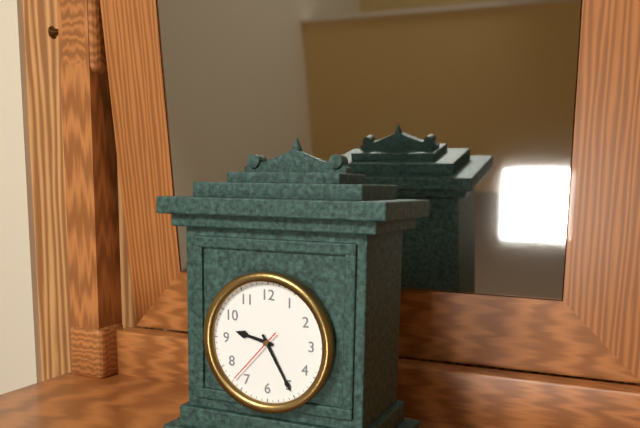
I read **9:25:37**
